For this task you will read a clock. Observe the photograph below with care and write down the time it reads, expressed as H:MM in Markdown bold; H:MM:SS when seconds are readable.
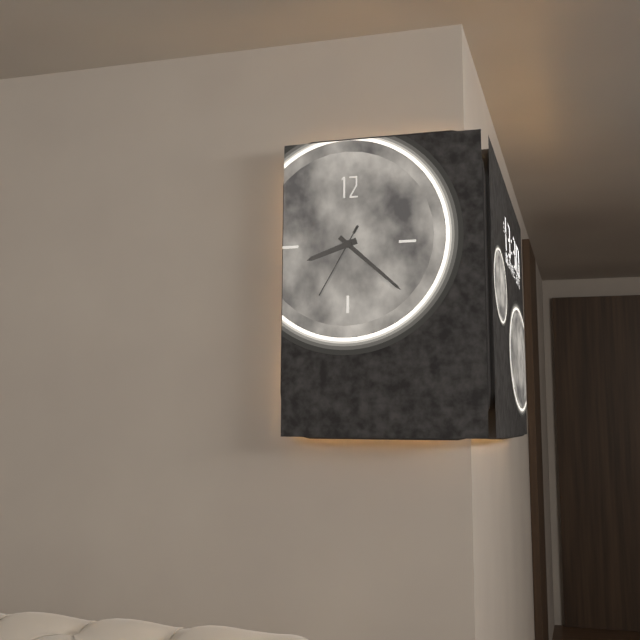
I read **8:22:35**
